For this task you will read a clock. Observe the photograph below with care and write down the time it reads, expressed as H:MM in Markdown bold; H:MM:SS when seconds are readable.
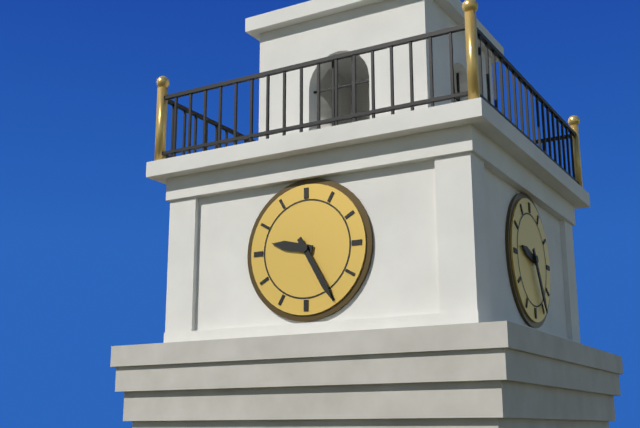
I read **9:25**
